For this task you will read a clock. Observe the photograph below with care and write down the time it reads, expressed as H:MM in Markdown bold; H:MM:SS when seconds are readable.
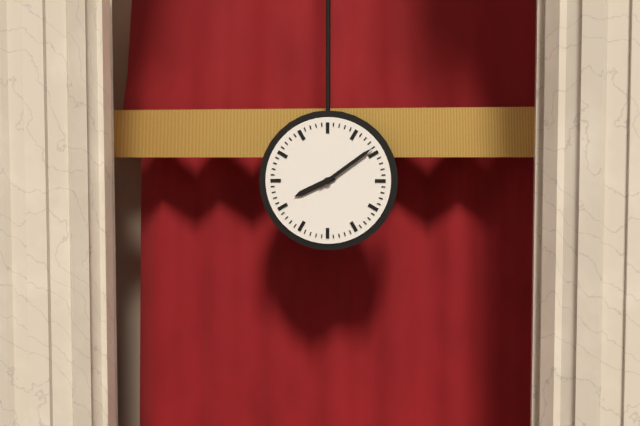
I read **8:09**
